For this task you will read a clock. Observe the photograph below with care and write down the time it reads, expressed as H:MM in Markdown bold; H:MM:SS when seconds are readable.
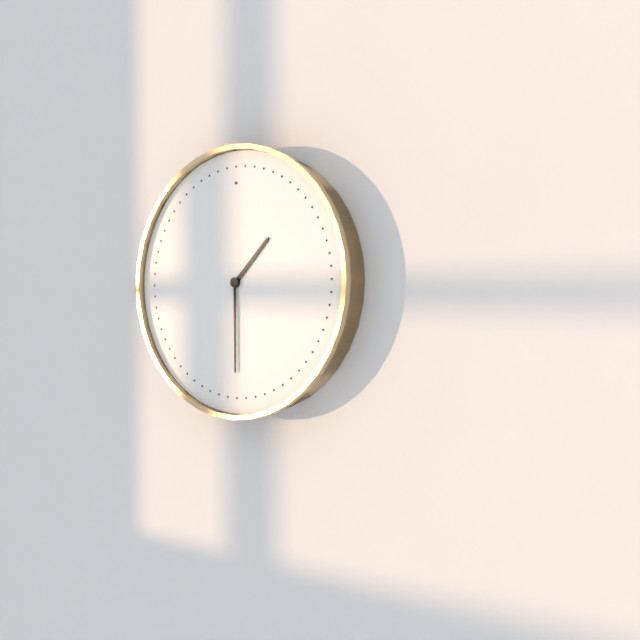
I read **1:30**
